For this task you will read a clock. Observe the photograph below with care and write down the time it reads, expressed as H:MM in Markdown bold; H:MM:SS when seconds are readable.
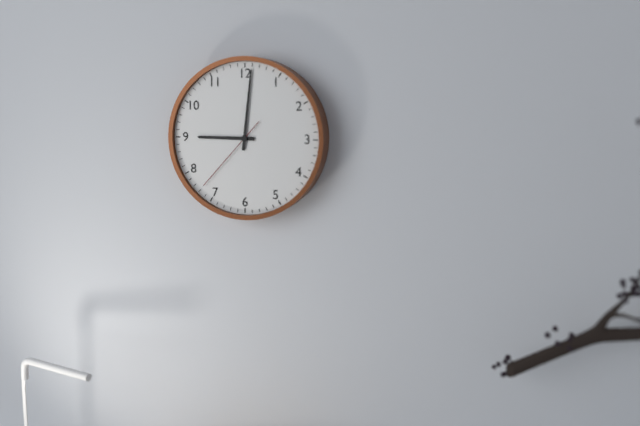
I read **9:01:37**
